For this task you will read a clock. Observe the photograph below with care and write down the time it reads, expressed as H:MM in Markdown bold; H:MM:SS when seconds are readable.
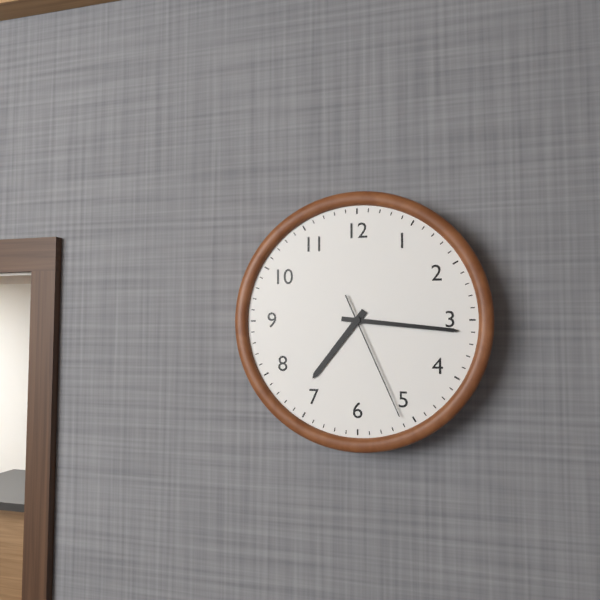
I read **7:16:26**
